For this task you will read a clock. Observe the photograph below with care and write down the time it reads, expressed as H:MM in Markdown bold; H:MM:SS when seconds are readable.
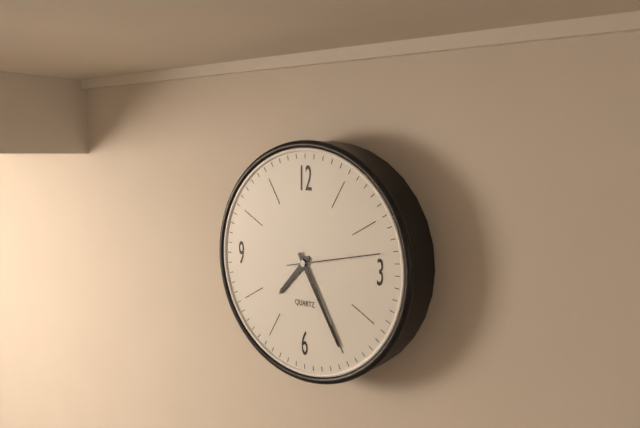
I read **7:25:13**
